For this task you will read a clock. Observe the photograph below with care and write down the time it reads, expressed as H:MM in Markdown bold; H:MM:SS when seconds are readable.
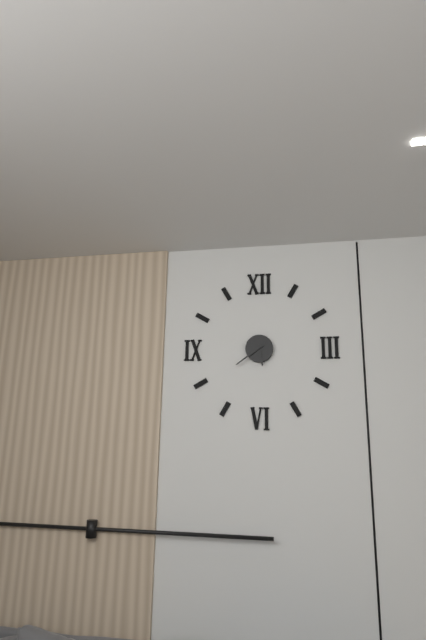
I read **5:39**
